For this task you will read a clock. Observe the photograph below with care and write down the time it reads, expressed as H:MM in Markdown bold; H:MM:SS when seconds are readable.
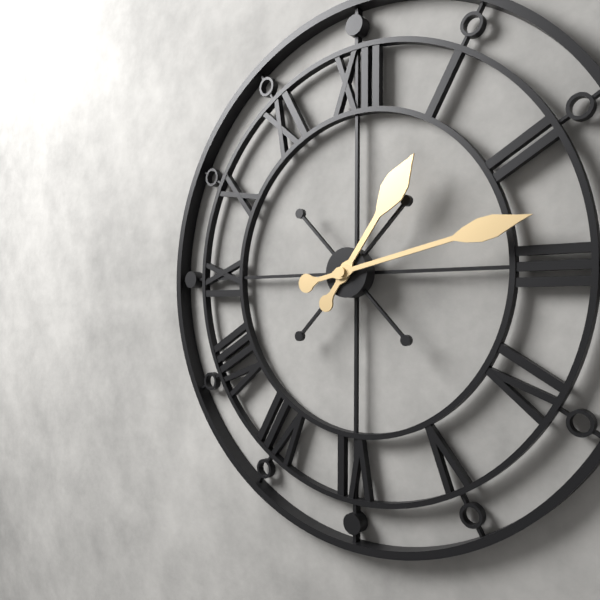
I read **1:13**
